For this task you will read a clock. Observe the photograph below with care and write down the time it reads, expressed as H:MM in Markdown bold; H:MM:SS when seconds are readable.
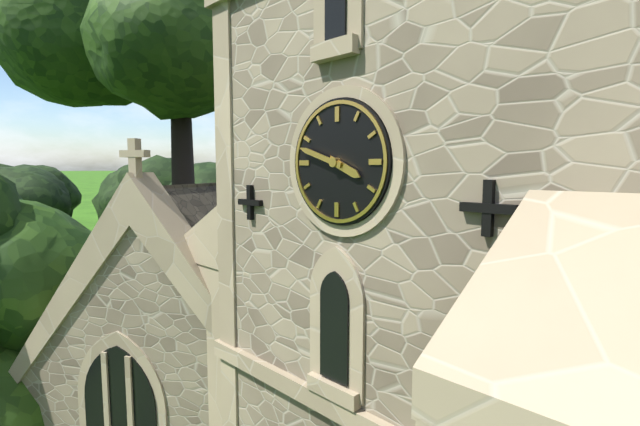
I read **3:48**
